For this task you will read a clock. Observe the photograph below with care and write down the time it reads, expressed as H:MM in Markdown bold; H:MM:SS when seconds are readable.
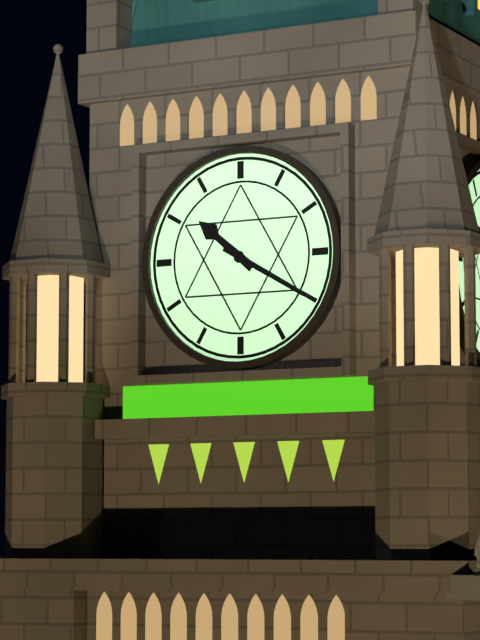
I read **10:20**
